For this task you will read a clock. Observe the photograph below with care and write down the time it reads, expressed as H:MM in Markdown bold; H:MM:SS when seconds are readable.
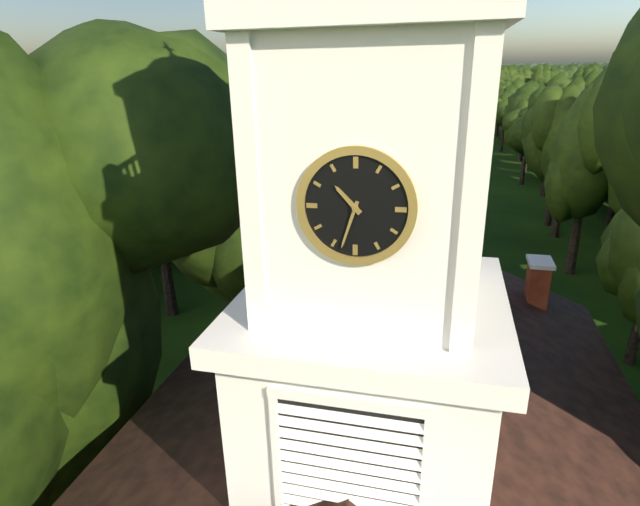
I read **10:33**
